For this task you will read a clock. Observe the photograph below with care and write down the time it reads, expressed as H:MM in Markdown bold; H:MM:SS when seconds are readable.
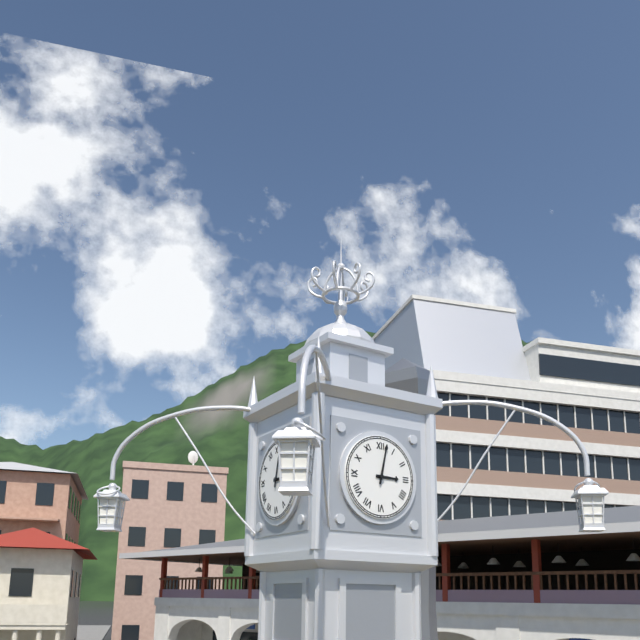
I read **3:02**
